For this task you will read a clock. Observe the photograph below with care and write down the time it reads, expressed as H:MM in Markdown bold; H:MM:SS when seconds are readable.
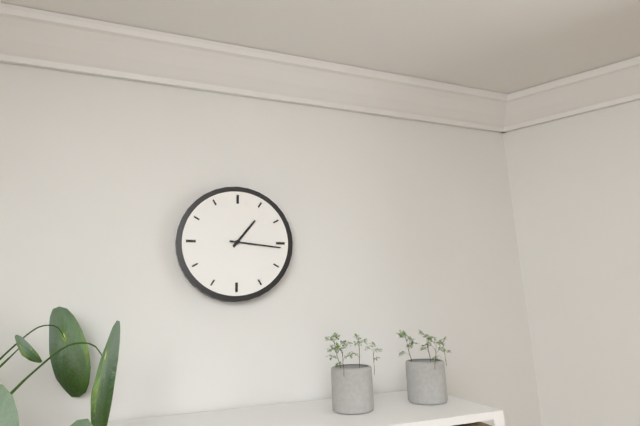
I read **1:16**
